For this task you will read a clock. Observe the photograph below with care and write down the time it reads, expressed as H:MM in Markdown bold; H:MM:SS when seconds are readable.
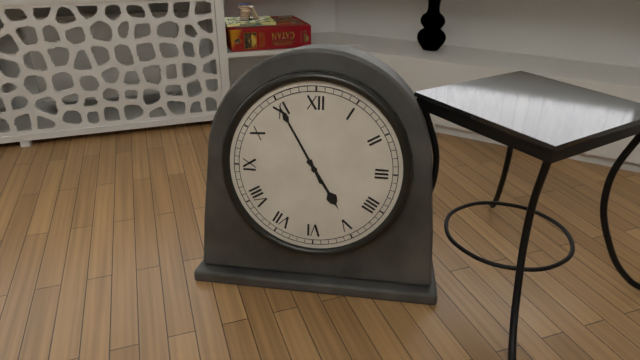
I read **4:55**
